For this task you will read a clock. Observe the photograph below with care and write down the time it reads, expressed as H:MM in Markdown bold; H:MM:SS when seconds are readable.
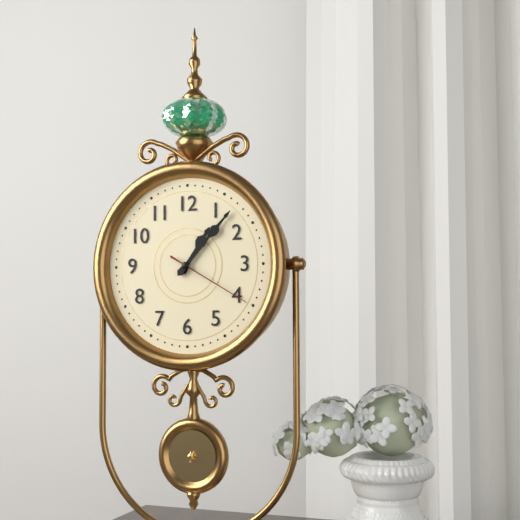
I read **1:07:20**
